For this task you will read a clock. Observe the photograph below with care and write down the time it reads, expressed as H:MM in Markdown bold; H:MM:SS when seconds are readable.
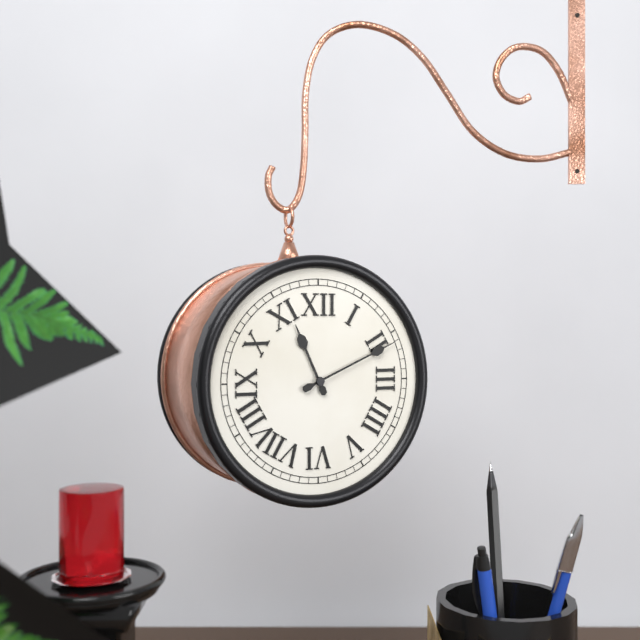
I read **11:11**
